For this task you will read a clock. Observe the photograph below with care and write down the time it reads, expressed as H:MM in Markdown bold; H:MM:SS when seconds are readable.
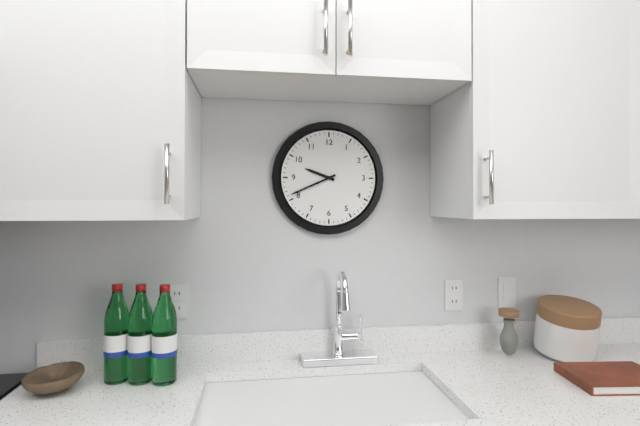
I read **9:41**
